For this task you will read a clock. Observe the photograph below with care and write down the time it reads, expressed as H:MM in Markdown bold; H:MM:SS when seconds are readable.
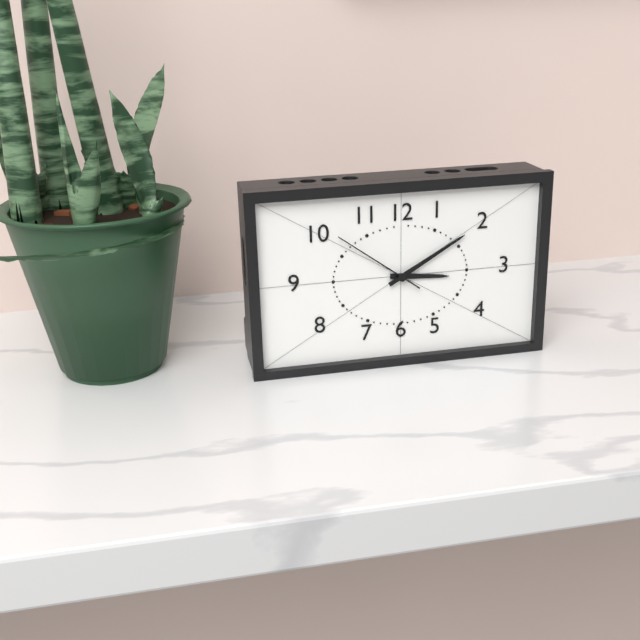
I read **3:10:51**
